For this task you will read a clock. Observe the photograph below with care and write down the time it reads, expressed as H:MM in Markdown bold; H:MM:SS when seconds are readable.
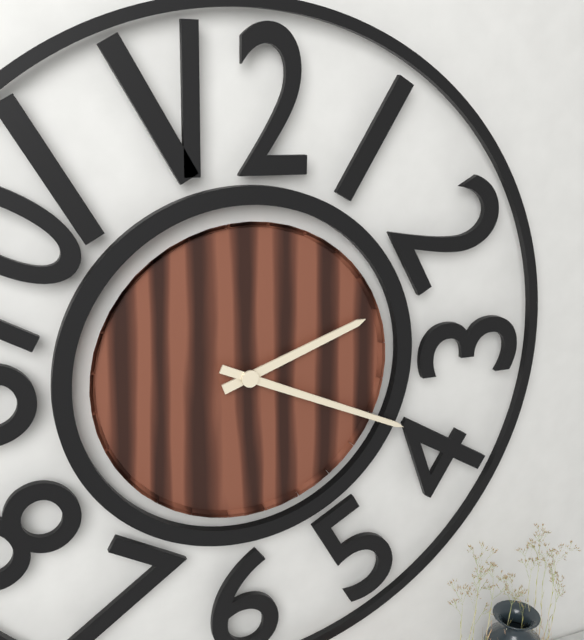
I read **2:19**
